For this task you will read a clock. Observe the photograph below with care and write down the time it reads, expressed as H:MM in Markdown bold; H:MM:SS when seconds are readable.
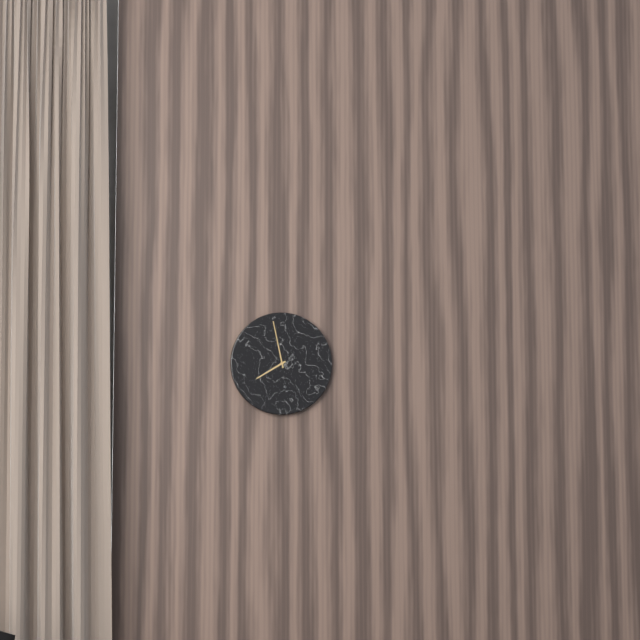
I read **7:58**
